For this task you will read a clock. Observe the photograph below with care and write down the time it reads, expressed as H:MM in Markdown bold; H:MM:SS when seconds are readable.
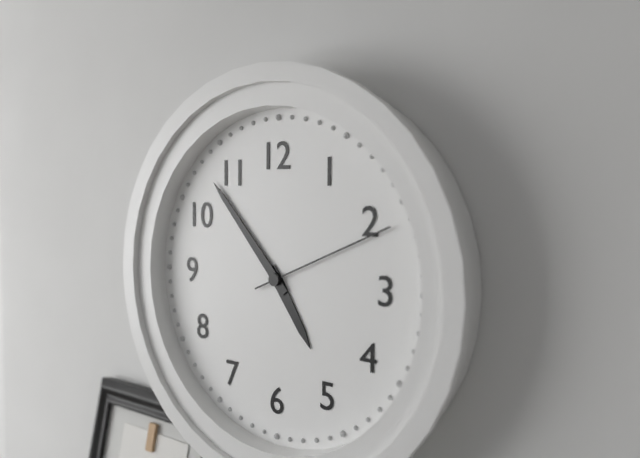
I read **4:53:11**
